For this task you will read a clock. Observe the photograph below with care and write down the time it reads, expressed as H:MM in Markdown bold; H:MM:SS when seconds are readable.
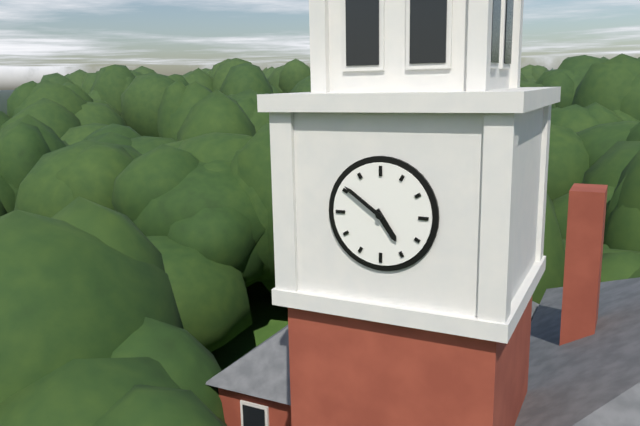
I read **4:51**
